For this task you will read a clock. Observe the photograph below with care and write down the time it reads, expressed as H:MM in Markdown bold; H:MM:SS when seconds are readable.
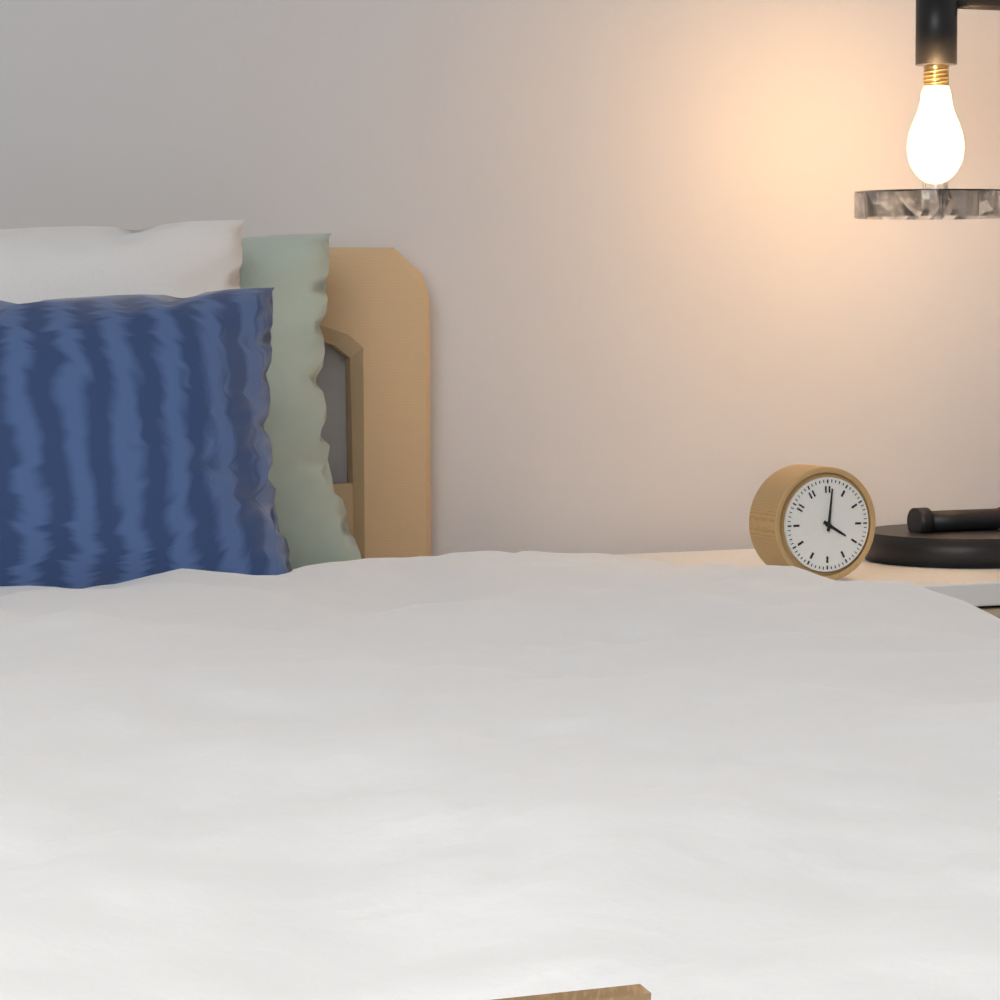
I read **4:01**
